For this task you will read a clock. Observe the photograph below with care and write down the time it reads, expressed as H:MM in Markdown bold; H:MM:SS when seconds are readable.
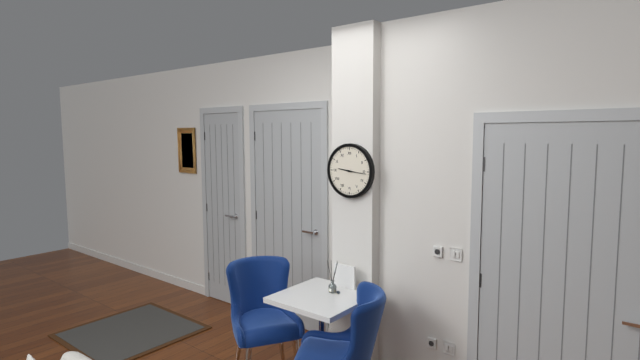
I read **9:16**
